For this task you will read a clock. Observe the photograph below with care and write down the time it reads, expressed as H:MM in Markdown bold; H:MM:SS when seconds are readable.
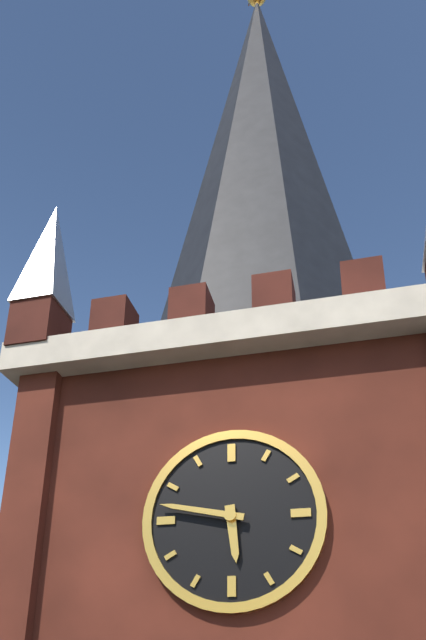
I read **5:47**
